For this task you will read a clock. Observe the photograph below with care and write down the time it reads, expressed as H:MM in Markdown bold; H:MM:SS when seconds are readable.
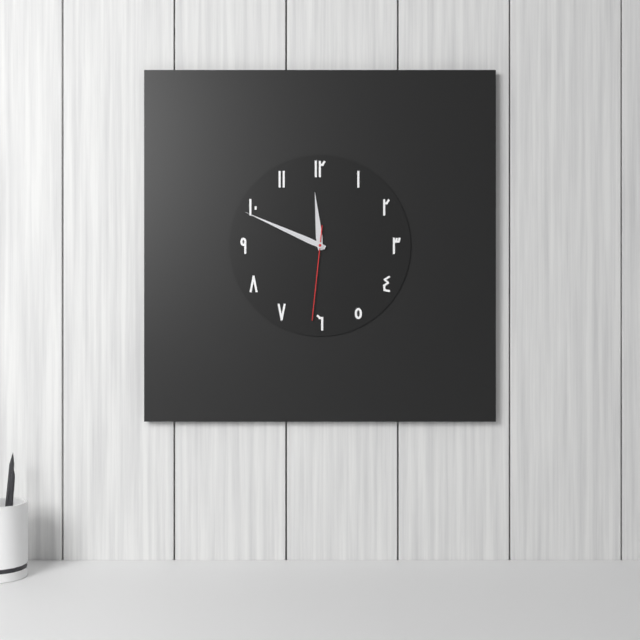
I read **11:49:31**
